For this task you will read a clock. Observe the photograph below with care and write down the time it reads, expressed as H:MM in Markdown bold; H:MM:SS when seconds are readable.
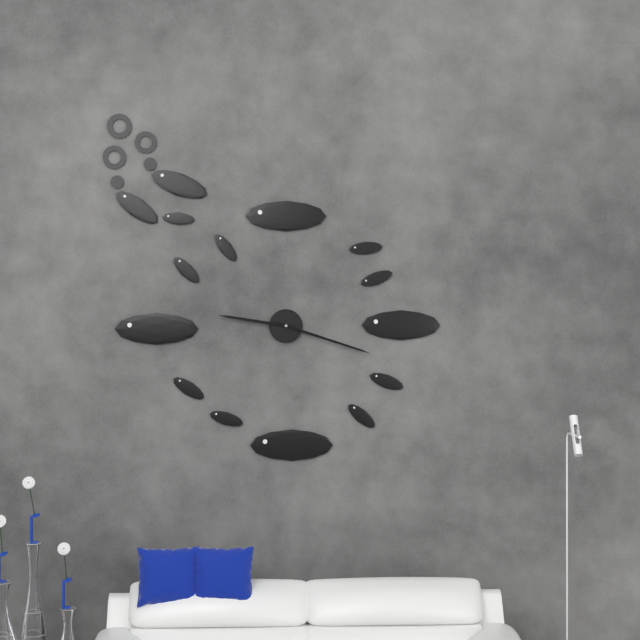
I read **9:18**
